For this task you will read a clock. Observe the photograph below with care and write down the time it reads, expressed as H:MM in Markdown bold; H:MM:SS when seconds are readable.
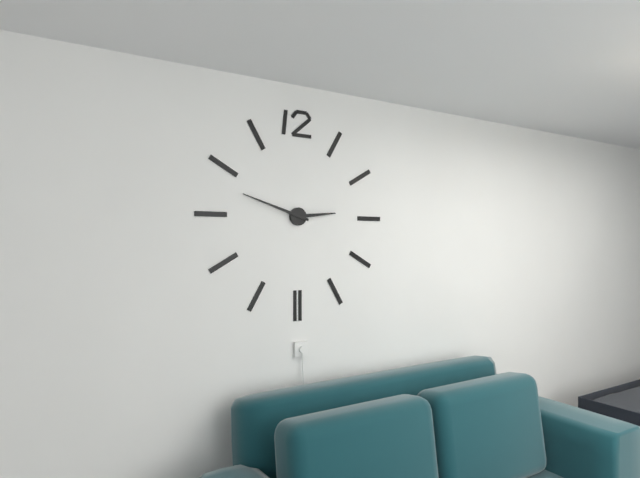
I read **2:48**
